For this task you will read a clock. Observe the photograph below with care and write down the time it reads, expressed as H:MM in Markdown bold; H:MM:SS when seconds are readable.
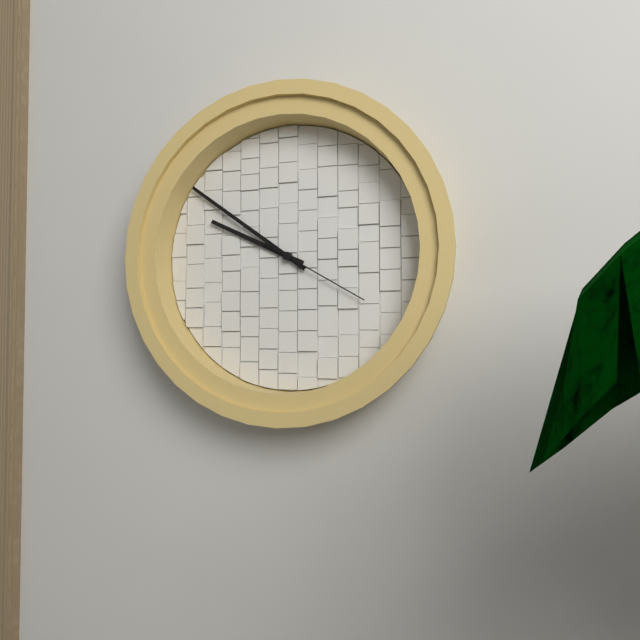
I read **9:51:20**
